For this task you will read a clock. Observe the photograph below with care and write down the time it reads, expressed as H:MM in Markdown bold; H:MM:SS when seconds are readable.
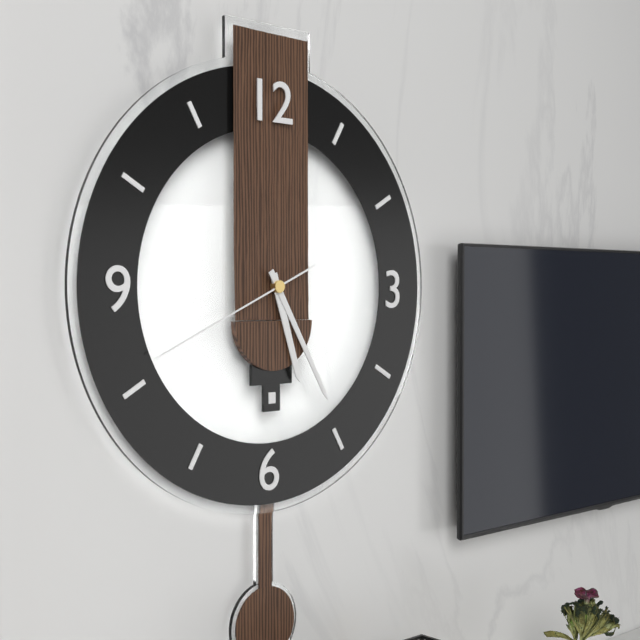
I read **5:25:41**
